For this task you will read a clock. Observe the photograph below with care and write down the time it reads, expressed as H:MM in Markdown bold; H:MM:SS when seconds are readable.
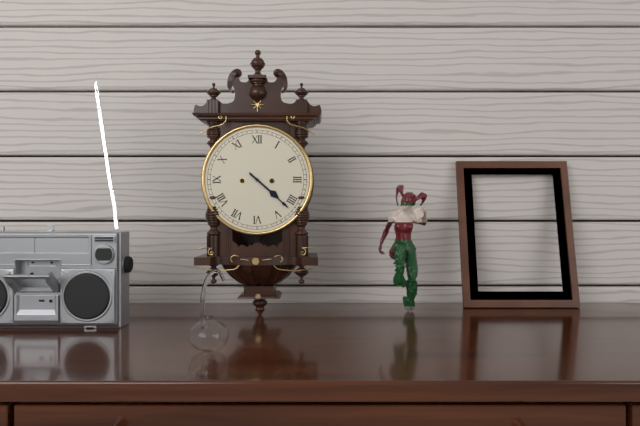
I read **4:22**
